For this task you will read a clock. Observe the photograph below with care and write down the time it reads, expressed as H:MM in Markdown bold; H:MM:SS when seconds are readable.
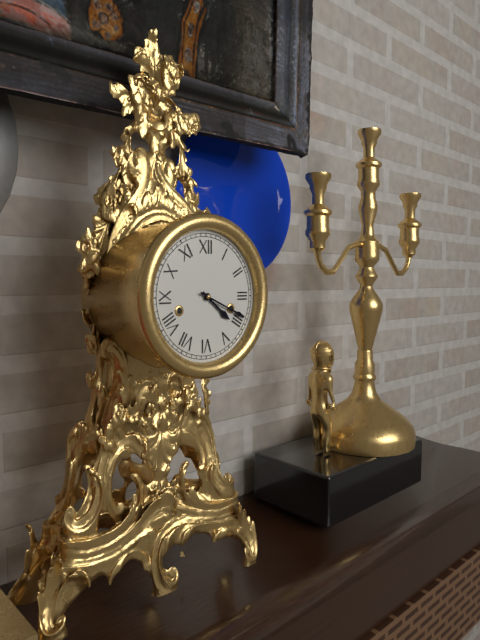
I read **4:19**
